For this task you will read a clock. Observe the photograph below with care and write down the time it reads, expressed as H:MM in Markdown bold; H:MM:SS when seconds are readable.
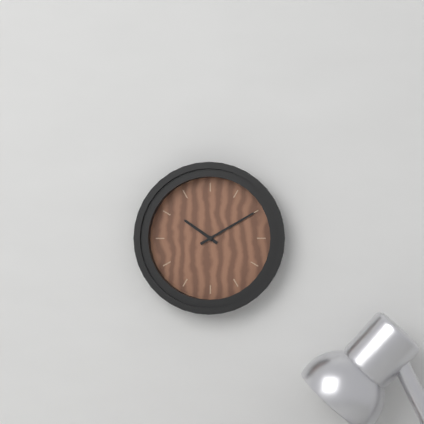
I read **10:10**
